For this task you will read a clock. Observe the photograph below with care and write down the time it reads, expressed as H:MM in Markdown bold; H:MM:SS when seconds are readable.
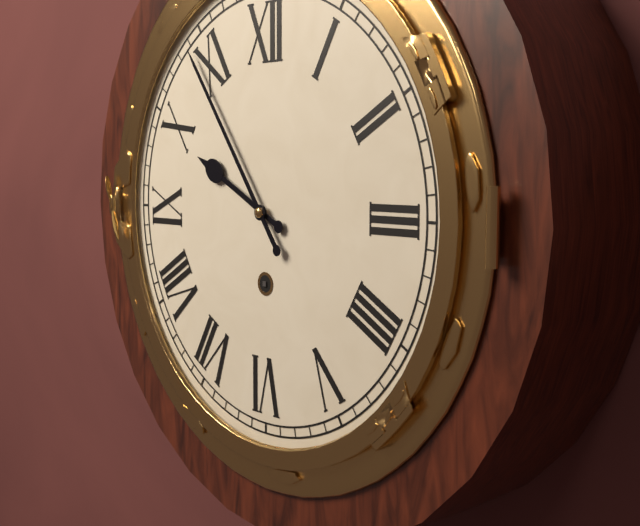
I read **9:54**
